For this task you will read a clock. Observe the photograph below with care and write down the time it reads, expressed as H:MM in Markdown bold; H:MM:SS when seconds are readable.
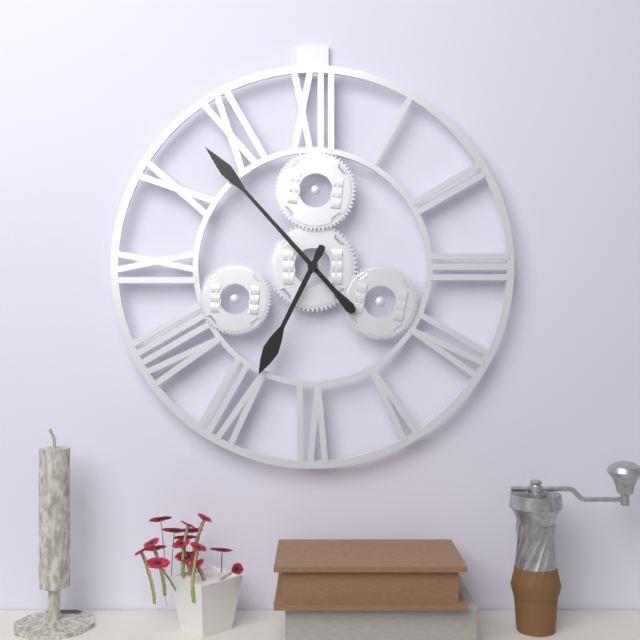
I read **6:53**
